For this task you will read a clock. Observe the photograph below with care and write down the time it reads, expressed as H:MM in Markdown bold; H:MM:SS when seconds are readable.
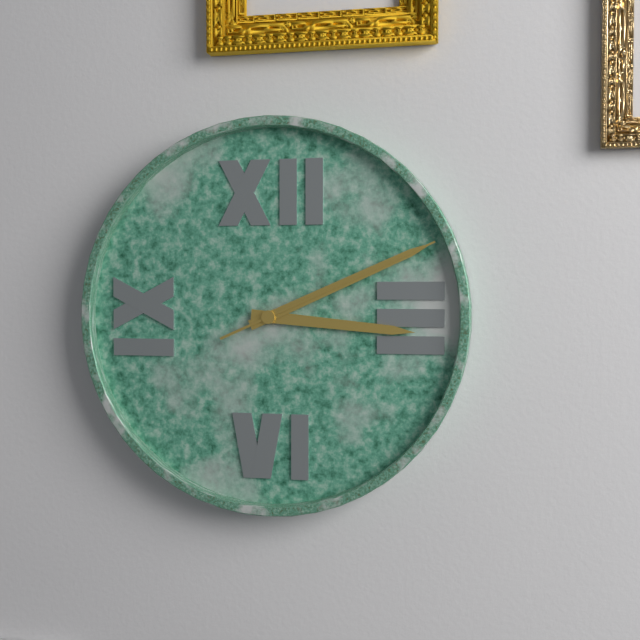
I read **3:11:11**
